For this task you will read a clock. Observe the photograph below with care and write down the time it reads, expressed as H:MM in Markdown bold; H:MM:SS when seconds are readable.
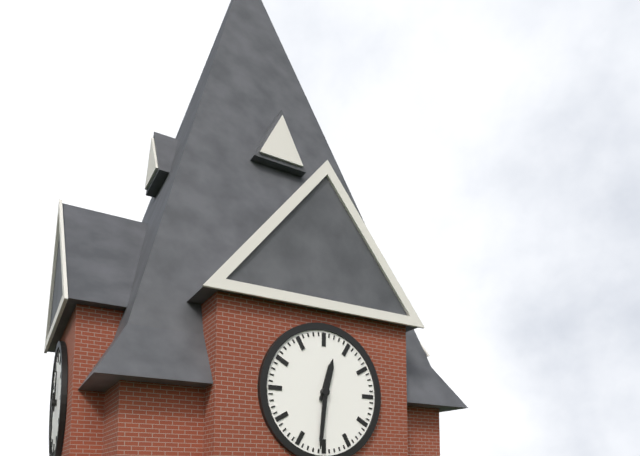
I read **12:31**
